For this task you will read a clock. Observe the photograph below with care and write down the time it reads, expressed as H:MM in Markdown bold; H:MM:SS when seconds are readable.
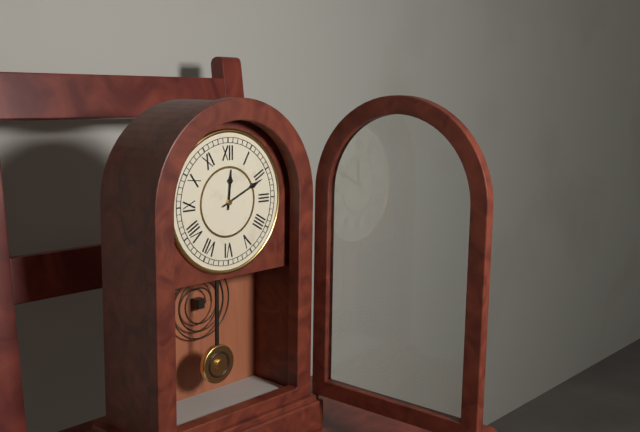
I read **12:11**
